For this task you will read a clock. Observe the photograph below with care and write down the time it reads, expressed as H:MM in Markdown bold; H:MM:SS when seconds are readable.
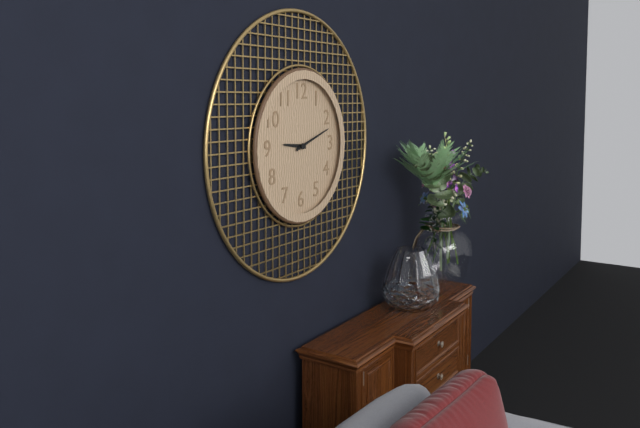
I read **9:12**
